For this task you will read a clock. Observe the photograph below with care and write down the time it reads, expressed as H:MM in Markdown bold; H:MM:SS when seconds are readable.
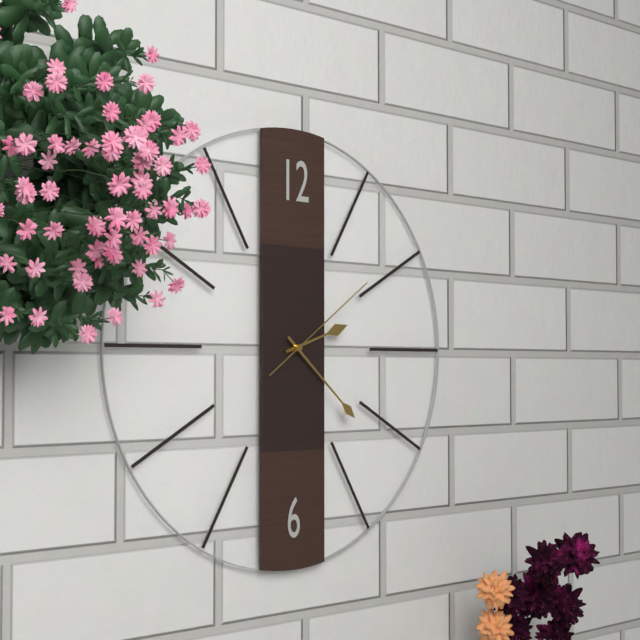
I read **2:22:09**
